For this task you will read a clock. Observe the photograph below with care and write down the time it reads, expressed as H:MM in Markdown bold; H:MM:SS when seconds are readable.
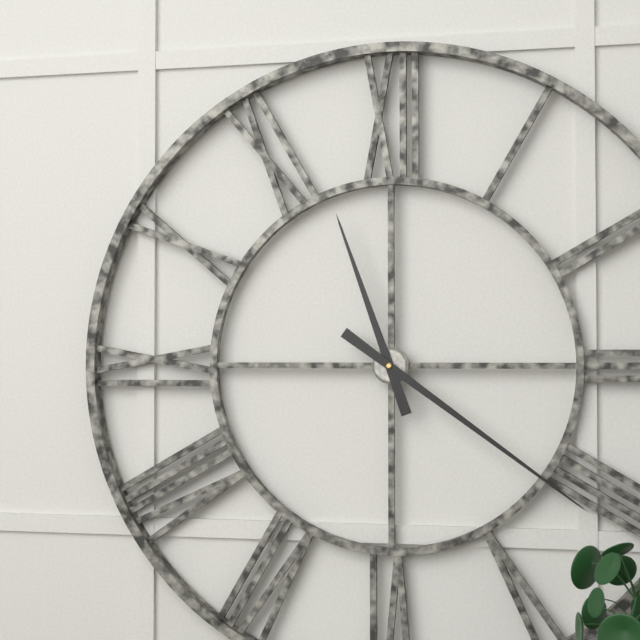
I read **11:21**
